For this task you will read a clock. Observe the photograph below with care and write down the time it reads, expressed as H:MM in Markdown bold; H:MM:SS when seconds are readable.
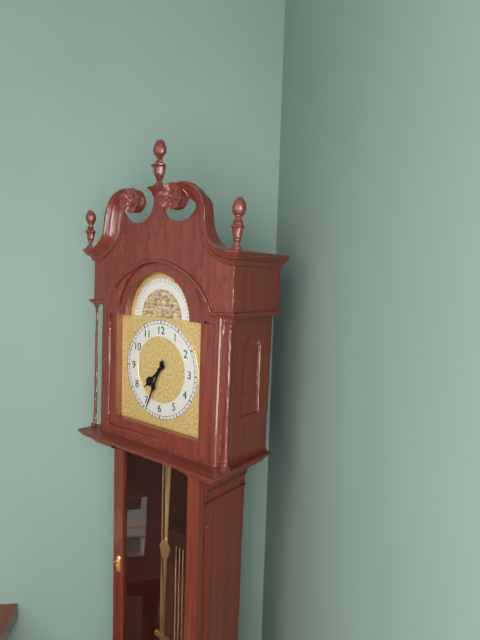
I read **7:34**
